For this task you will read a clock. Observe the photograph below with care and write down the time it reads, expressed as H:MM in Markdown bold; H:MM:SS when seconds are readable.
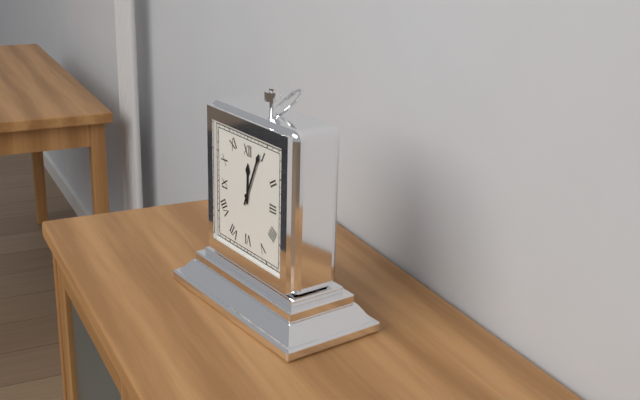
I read **12:04**
